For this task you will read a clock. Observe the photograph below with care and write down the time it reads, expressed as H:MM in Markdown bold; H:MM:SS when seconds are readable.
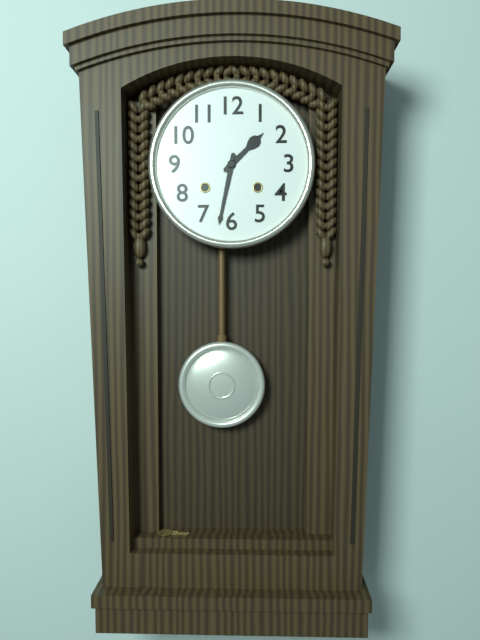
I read **1:32**
